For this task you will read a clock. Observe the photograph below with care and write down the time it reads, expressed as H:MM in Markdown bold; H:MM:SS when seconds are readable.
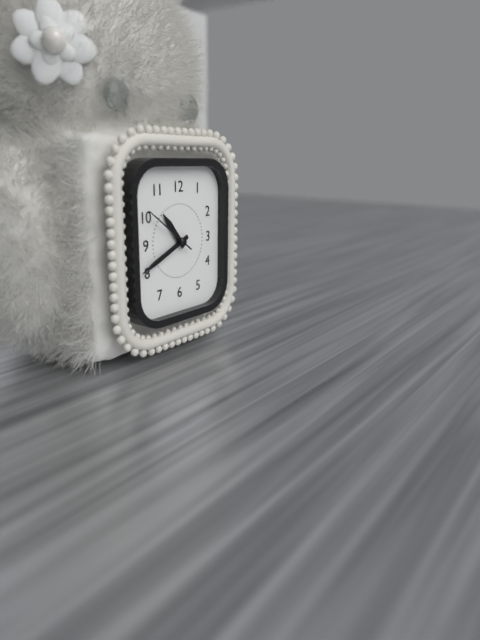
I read **10:41:51**
